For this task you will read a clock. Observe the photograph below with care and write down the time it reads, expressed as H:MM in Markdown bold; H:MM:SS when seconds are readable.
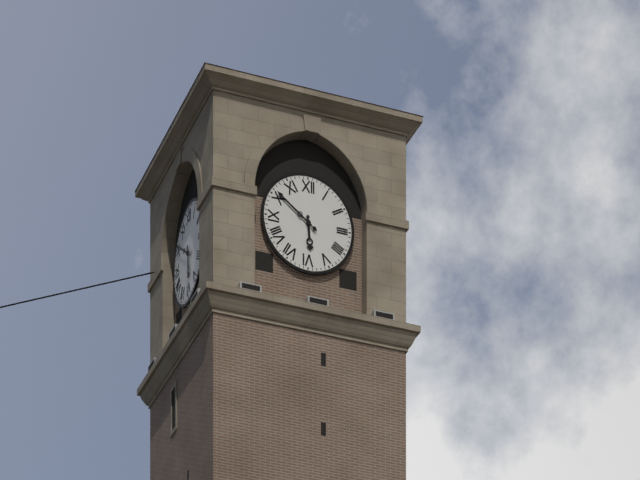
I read **5:51**
